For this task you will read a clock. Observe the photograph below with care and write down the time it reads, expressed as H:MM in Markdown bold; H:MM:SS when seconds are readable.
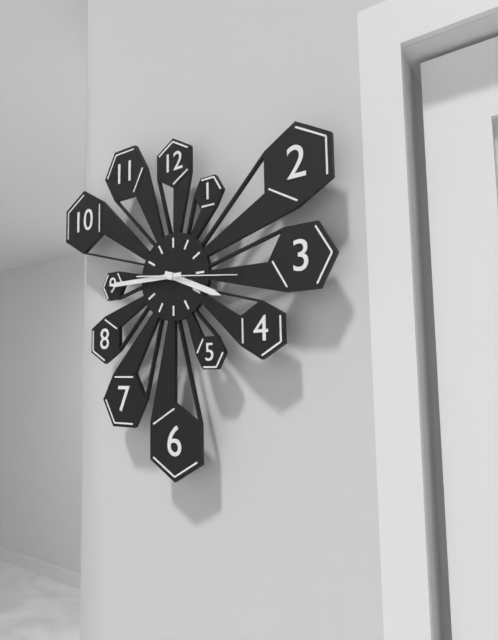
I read **3:45:16**
